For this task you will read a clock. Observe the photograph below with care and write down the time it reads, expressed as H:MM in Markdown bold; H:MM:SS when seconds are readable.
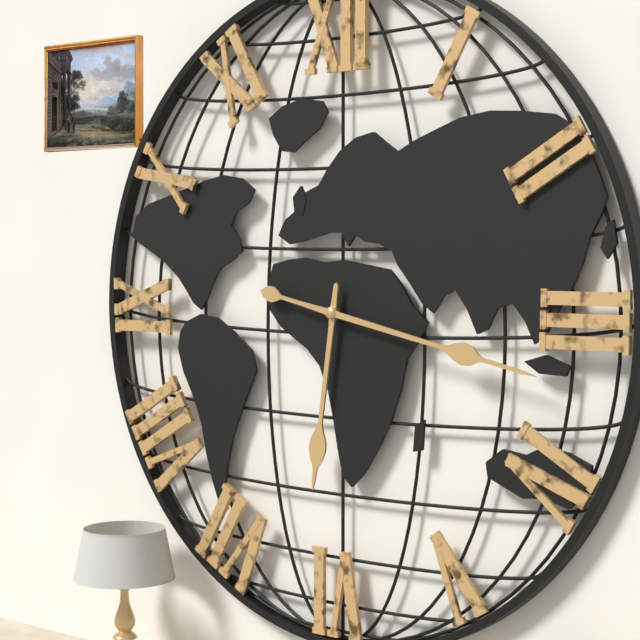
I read **6:17**
